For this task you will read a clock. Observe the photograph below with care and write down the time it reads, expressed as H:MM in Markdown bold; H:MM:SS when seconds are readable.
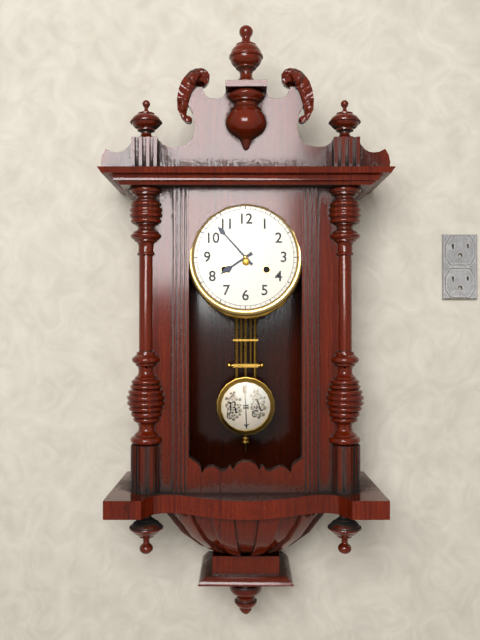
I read **7:53**
